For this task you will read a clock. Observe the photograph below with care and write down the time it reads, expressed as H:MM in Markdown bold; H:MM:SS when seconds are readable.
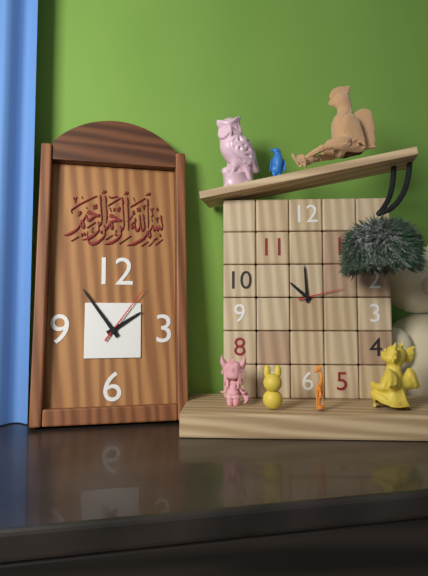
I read **1:54:06**
